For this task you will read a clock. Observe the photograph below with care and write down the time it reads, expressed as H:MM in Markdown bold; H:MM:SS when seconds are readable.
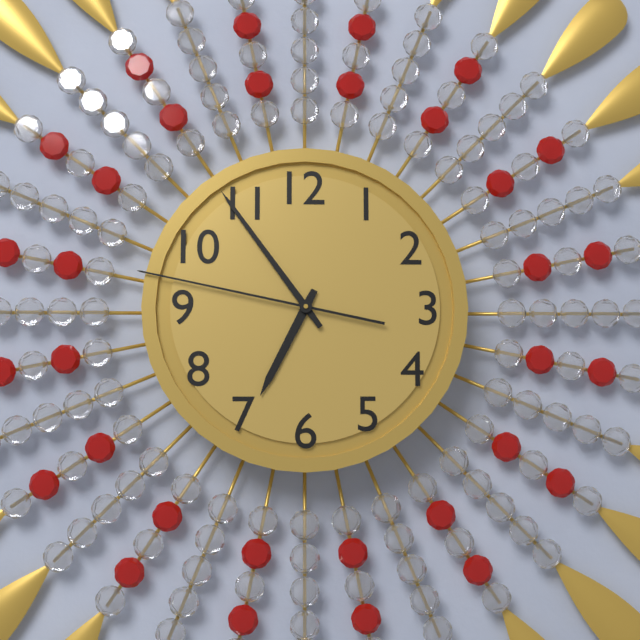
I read **6:54:47**
